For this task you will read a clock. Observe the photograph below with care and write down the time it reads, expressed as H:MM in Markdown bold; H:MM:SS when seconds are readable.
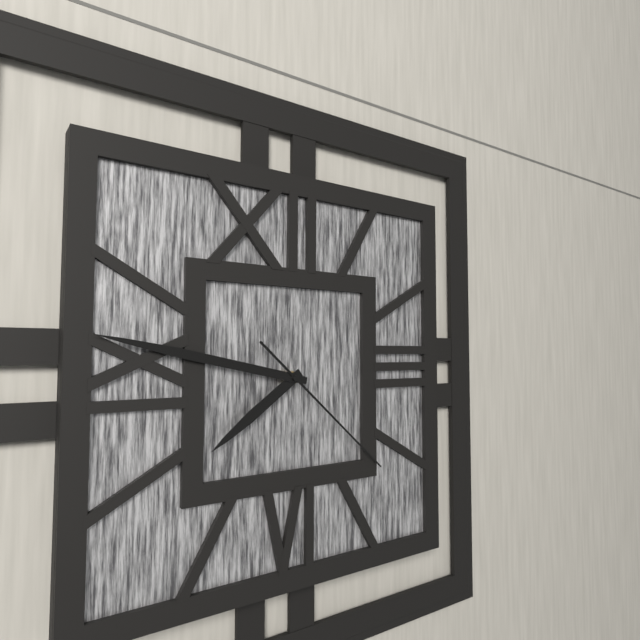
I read **7:47:22**
